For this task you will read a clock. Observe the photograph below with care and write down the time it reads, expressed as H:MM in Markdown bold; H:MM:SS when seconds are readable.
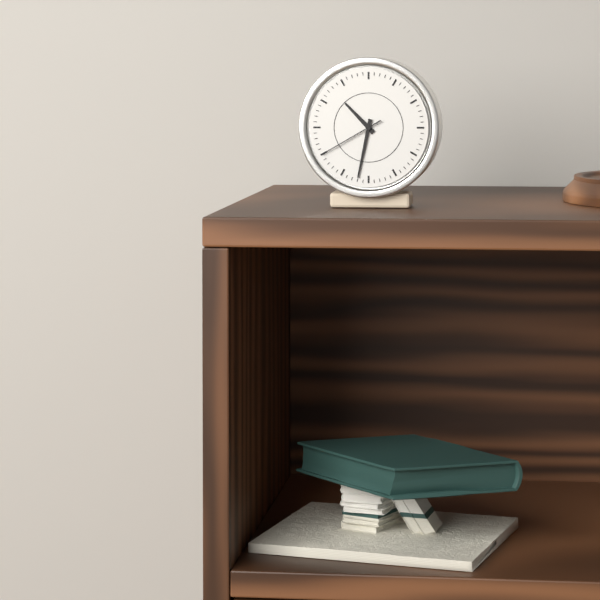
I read **10:32:40**
